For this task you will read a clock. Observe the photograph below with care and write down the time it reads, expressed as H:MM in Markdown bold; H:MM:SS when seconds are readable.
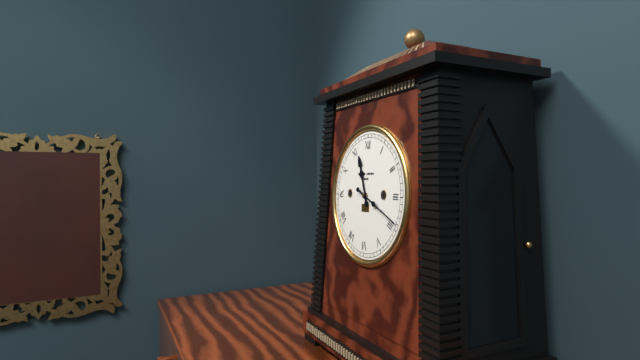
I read **11:19**
